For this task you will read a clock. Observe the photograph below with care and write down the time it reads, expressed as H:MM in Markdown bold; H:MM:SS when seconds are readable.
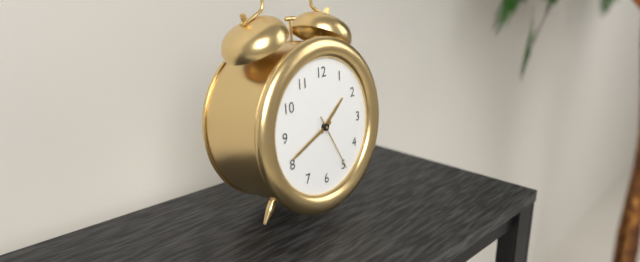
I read **1:41:25**
